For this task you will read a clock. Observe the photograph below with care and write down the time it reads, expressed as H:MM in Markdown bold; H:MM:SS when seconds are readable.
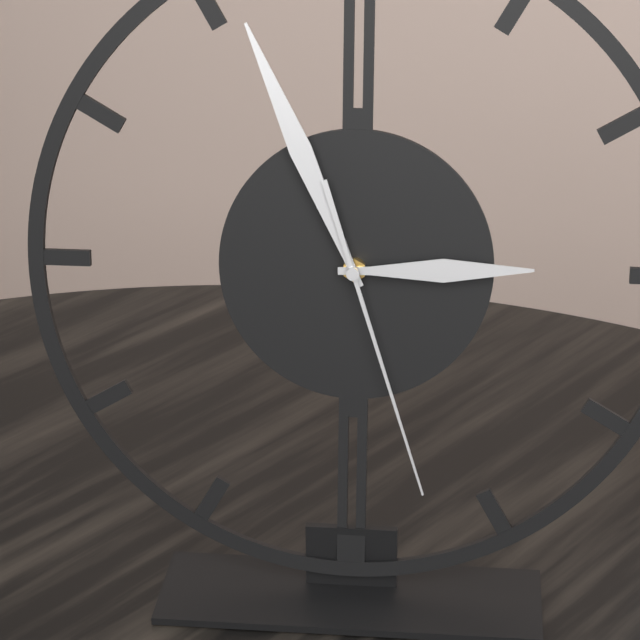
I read **2:56:27**
